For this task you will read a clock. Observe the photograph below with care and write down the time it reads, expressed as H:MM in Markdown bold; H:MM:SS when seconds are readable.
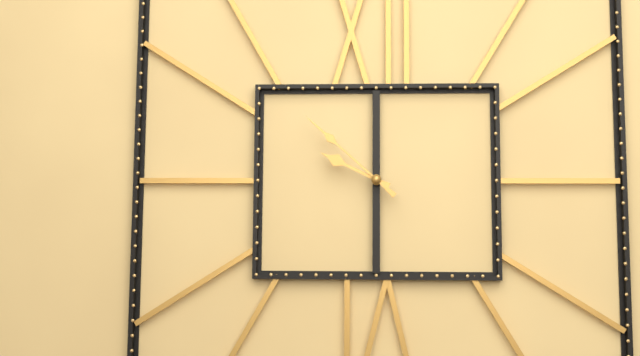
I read **9:52**
